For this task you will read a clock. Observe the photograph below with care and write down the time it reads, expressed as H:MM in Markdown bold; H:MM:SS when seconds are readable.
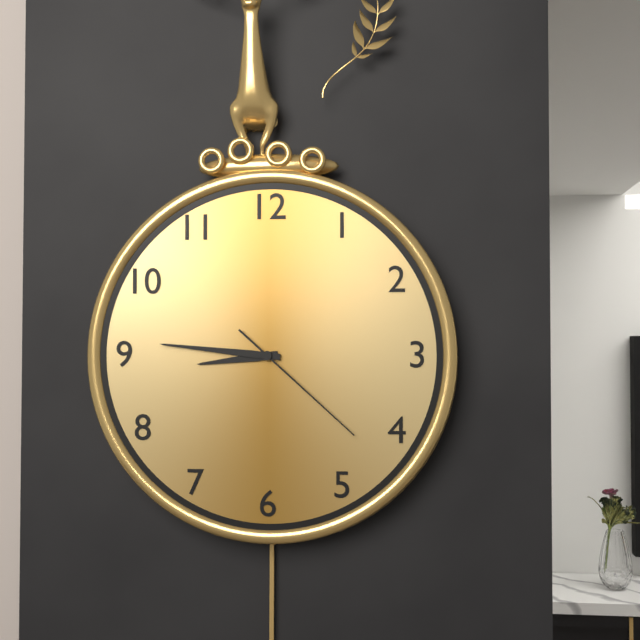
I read **8:46:22**
